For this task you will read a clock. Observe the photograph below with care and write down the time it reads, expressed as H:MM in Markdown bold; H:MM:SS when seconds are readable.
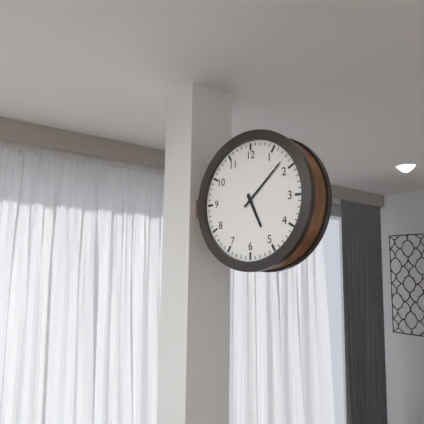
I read **5:08**
